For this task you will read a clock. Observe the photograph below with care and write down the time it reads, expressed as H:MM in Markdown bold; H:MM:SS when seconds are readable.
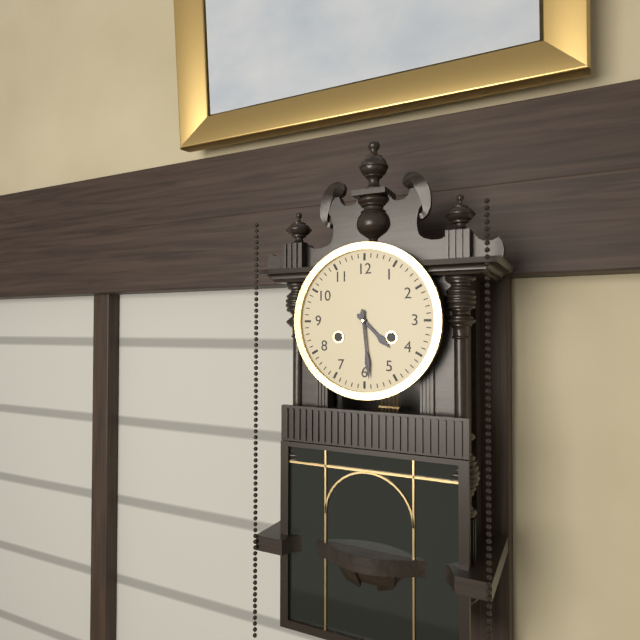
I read **4:29**
